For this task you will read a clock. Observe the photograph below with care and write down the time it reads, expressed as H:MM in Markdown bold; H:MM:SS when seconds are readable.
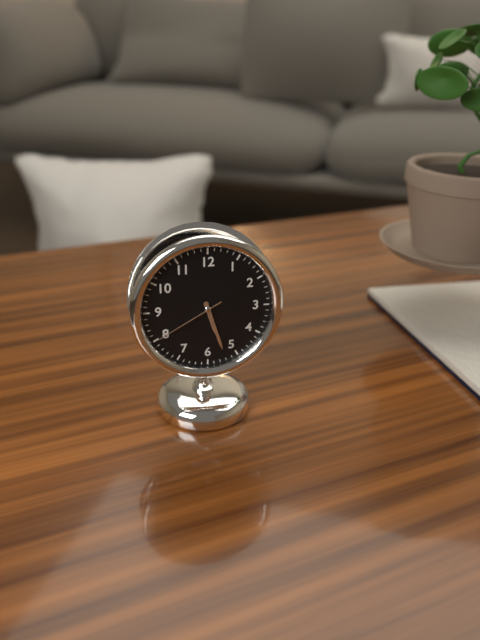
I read **5:27:40**
